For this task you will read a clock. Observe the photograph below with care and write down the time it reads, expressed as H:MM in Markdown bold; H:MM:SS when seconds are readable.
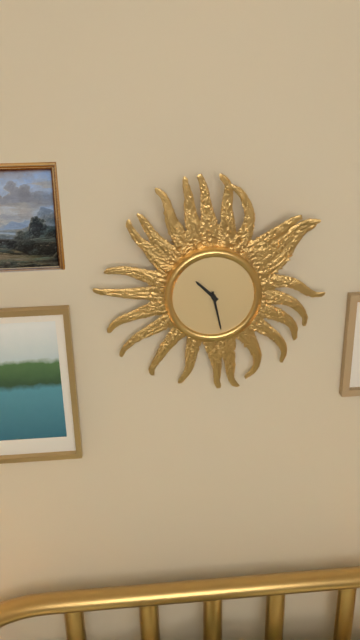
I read **10:28**
